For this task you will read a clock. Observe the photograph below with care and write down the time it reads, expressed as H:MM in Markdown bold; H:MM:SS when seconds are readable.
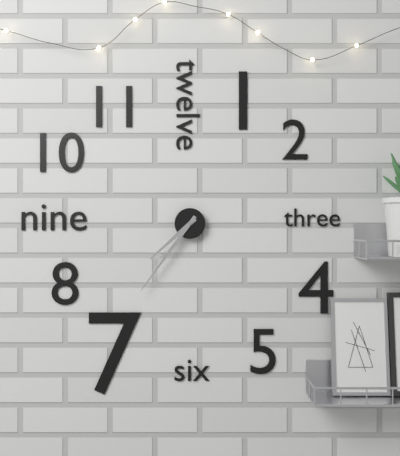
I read **7:36**
